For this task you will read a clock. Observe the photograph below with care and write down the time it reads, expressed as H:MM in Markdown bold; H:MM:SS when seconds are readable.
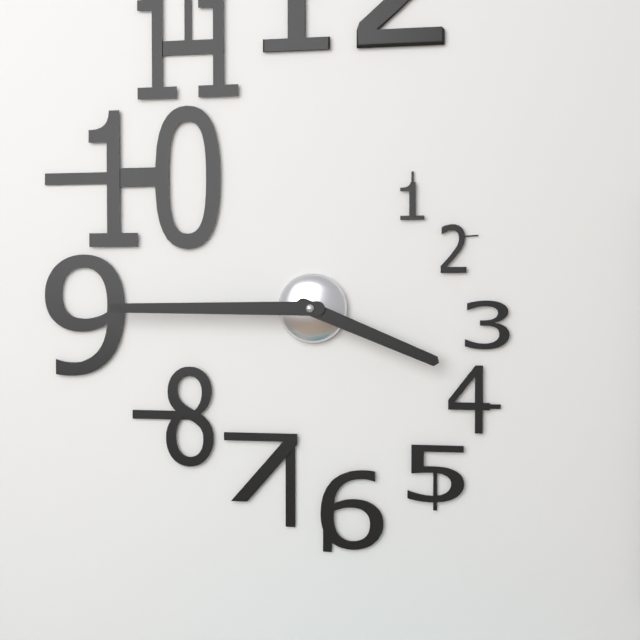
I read **3:45**
